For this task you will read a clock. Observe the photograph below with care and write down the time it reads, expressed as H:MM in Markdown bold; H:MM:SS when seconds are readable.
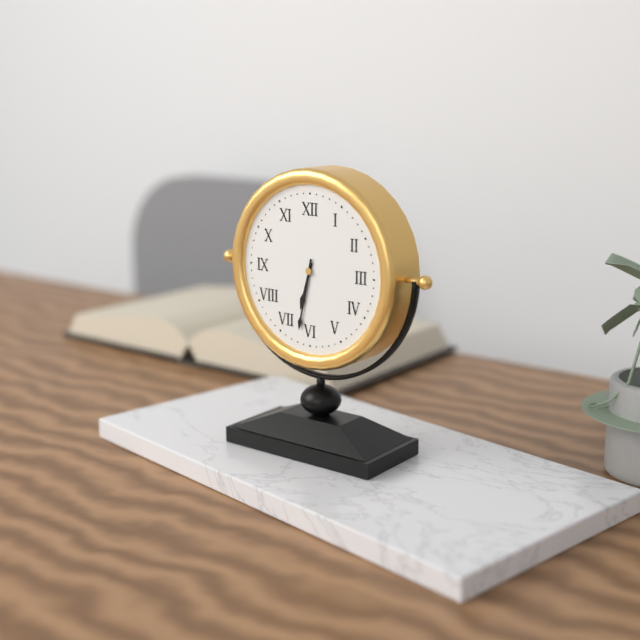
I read **6:32**
